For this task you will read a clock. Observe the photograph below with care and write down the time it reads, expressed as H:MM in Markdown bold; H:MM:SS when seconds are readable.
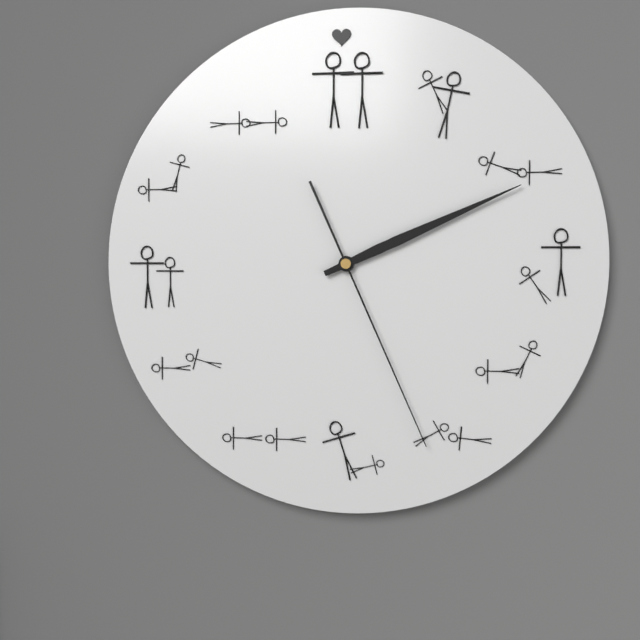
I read **2:11:26**
